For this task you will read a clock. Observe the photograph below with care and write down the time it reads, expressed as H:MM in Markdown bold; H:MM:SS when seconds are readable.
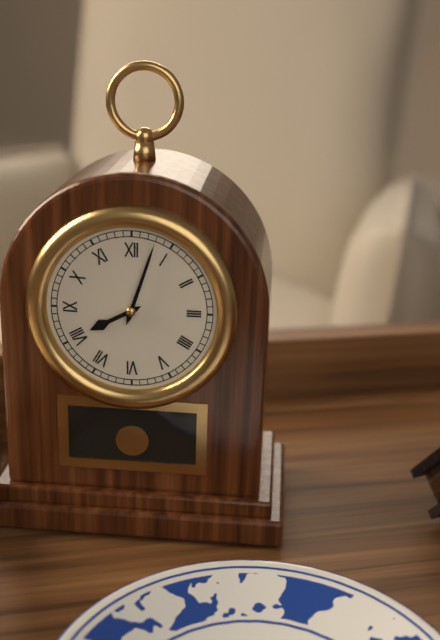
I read **8:03**
